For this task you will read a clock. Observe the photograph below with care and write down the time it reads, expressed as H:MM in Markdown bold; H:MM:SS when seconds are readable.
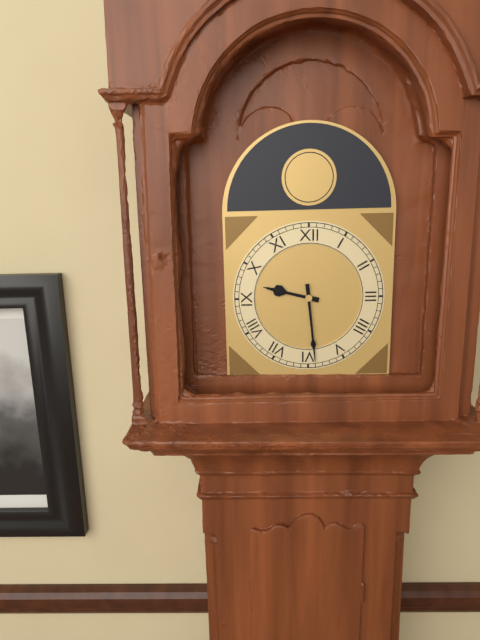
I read **9:29**
